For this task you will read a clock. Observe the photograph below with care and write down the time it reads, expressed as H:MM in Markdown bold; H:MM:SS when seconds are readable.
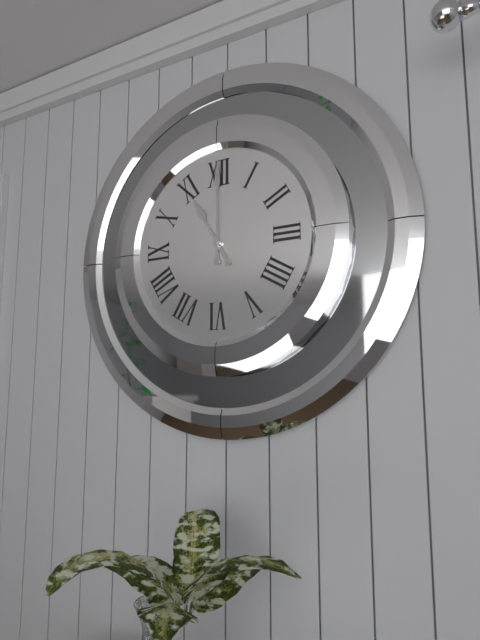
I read **11:00**
